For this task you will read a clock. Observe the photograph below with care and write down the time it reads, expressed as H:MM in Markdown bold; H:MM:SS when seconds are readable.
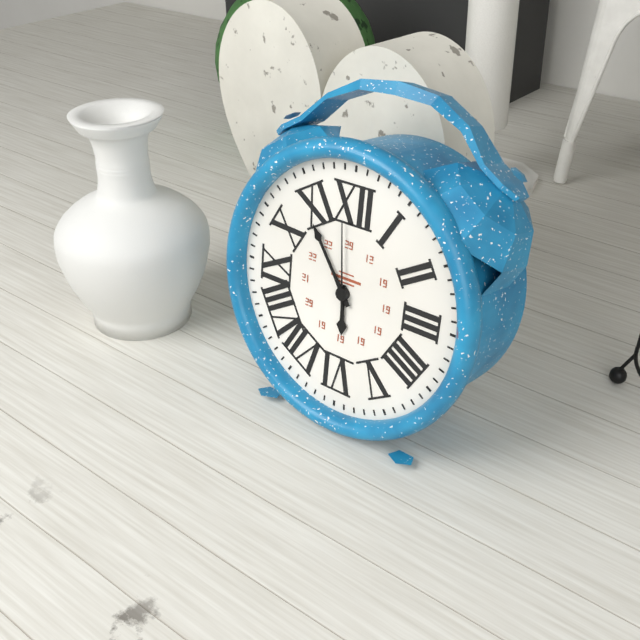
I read **5:54:59**
